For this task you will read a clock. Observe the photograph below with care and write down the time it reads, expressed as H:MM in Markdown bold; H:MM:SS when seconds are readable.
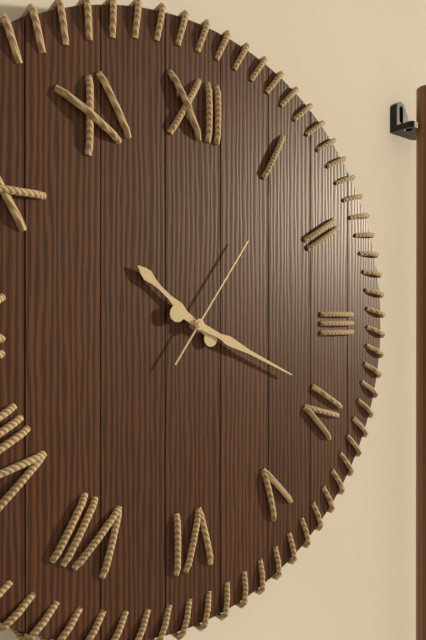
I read **10:19:06**
